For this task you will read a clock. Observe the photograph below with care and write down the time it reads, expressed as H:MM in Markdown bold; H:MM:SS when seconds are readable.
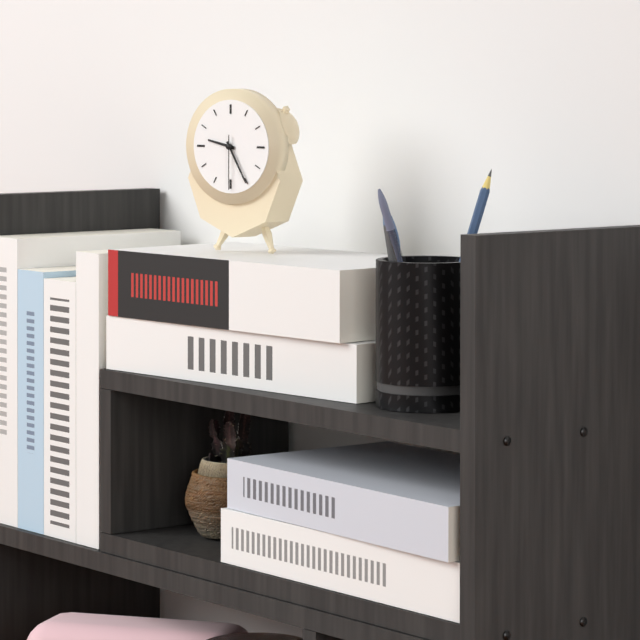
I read **9:25:30**
